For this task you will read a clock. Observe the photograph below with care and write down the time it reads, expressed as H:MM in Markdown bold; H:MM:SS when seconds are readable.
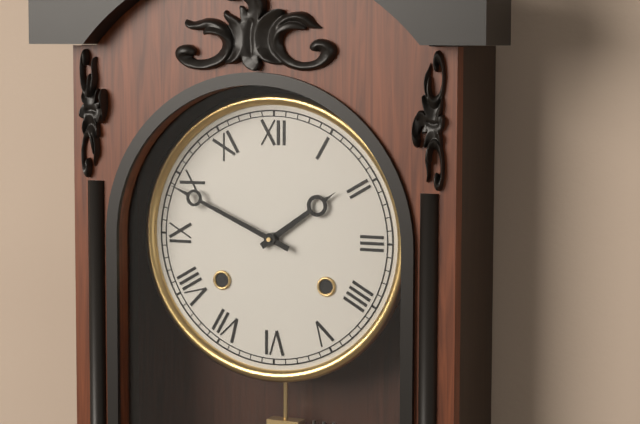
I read **1:49**
